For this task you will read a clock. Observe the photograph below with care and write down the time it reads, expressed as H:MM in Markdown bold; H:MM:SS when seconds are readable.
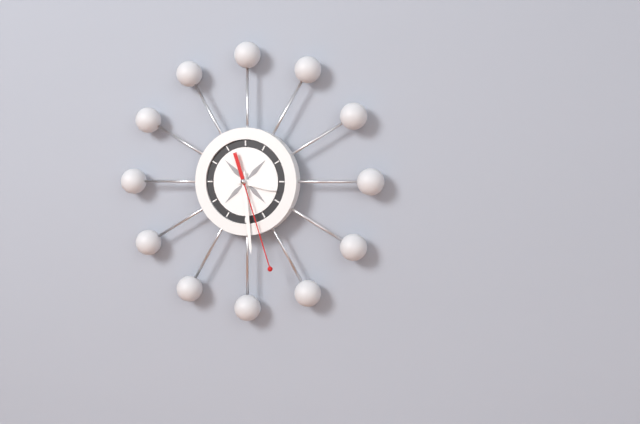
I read **3:29:27**
